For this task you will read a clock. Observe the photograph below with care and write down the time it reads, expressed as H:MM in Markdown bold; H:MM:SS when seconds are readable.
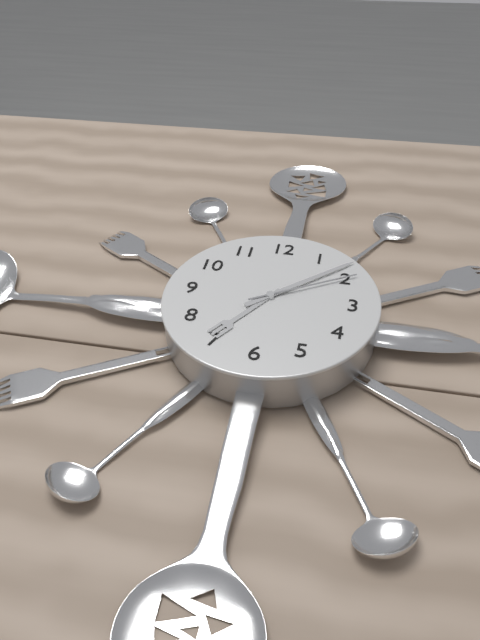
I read **7:08:10**
